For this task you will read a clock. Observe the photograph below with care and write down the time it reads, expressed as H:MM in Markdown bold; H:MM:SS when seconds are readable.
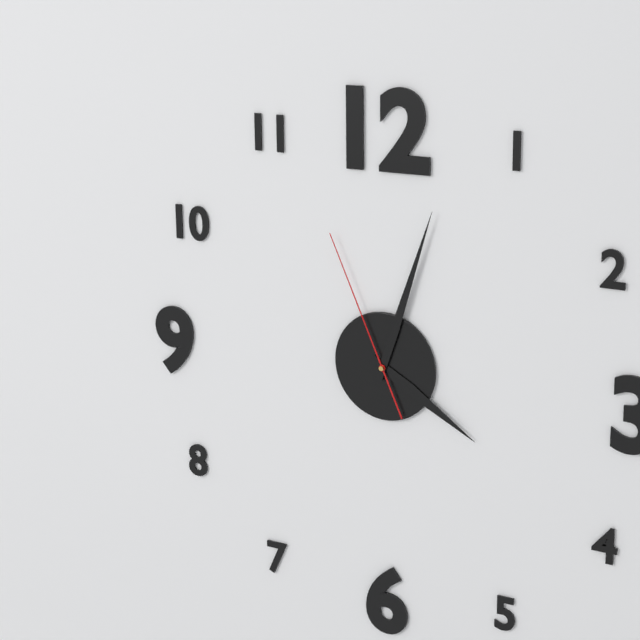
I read **4:03:56**
